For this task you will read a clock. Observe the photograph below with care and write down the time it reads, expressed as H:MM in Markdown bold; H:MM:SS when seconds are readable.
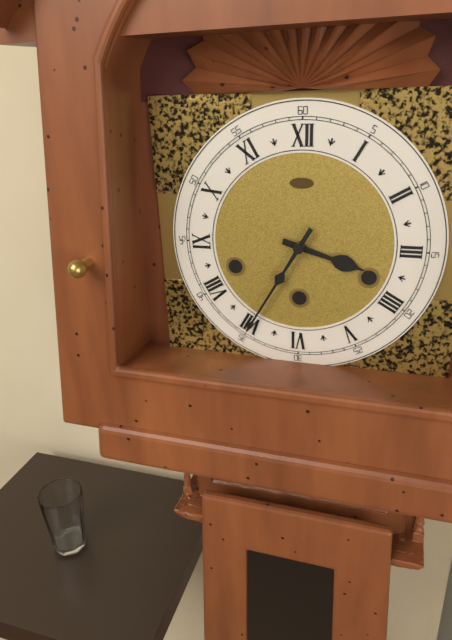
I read **3:35**
